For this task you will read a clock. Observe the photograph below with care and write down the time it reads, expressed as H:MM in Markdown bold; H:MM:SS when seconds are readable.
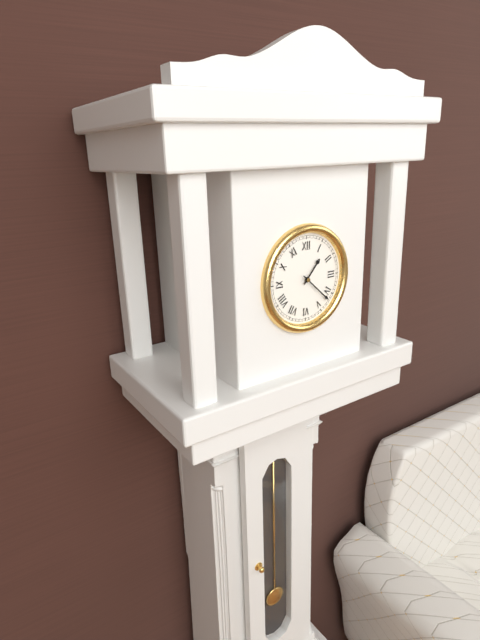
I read **1:22**
